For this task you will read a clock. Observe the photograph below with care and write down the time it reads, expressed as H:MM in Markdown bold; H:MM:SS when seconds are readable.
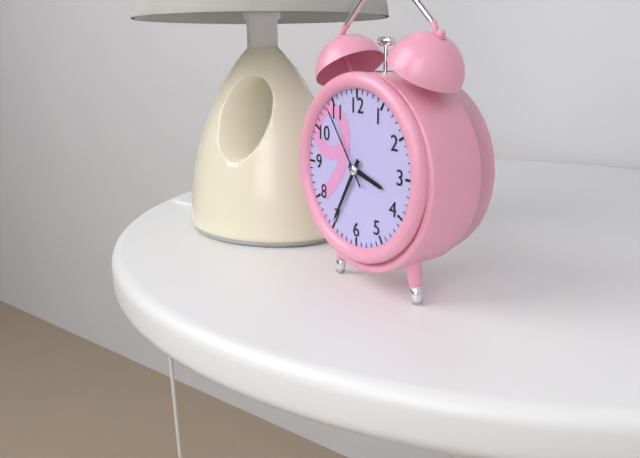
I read **3:35:54**
